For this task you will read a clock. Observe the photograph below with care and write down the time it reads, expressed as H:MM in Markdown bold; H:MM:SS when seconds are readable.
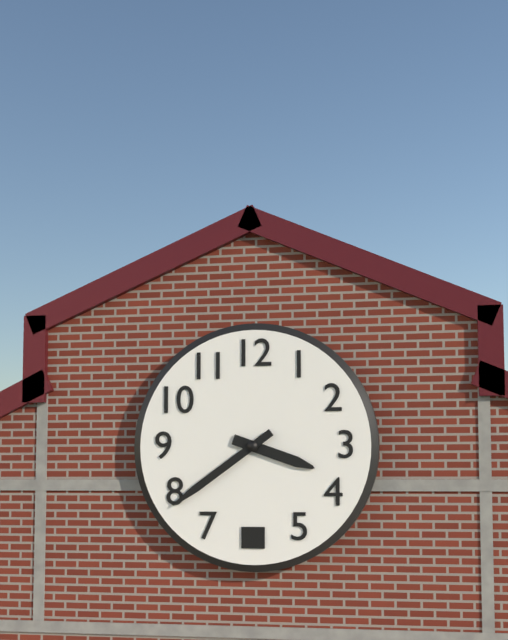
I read **3:39**
